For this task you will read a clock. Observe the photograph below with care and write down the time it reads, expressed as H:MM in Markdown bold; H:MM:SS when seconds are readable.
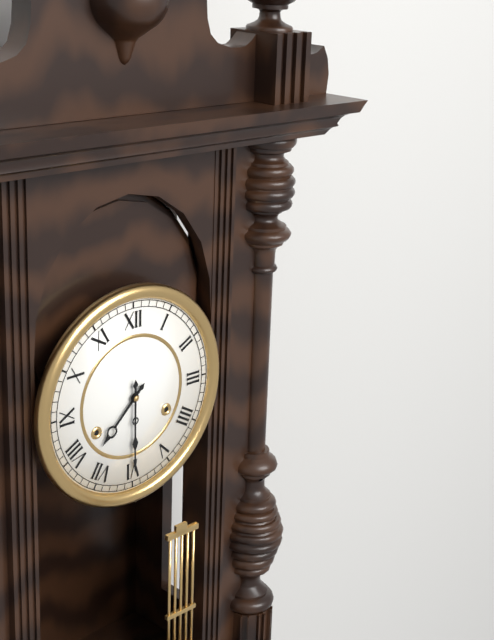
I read **7:30**
